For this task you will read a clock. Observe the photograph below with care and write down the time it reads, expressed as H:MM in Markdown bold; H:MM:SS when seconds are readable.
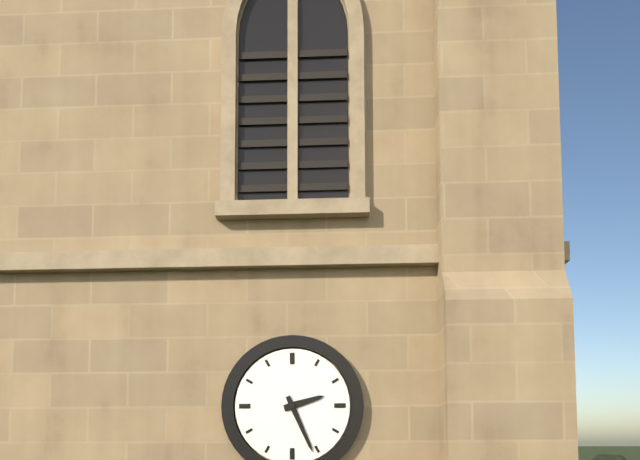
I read **2:26**
